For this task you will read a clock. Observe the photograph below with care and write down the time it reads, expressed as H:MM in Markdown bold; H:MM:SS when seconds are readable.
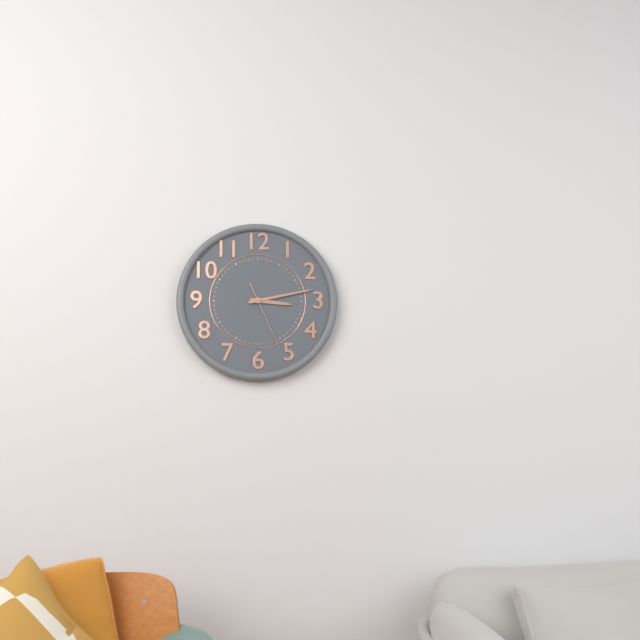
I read **3:13:26**
